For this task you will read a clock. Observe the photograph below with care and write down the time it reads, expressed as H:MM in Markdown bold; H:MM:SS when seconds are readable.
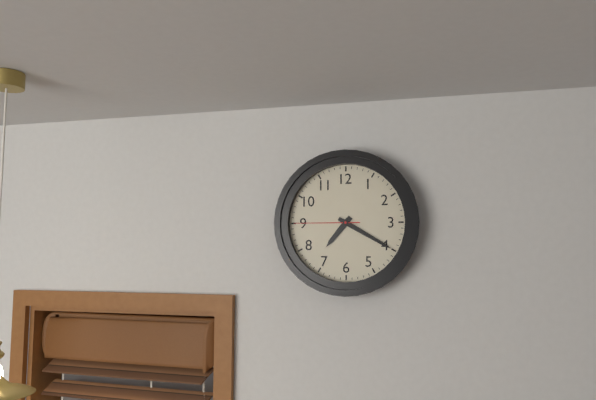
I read **7:20:45**
